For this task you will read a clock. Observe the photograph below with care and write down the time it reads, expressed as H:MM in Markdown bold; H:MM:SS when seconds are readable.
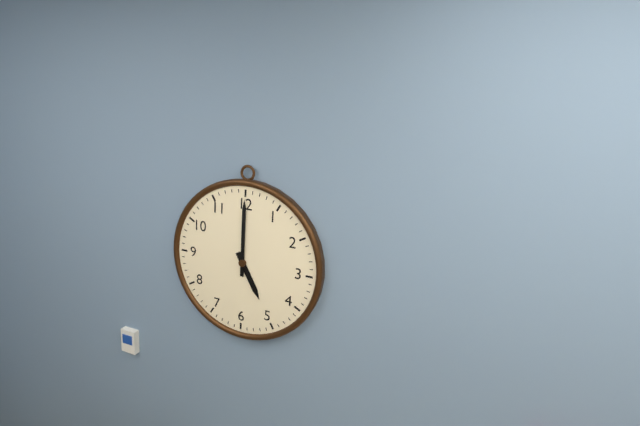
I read **5:00**
